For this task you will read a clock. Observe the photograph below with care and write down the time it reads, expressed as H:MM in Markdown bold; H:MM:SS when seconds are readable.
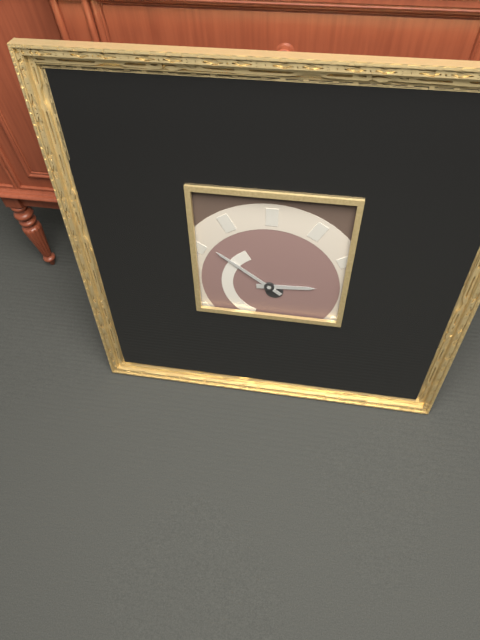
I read **2:51**
